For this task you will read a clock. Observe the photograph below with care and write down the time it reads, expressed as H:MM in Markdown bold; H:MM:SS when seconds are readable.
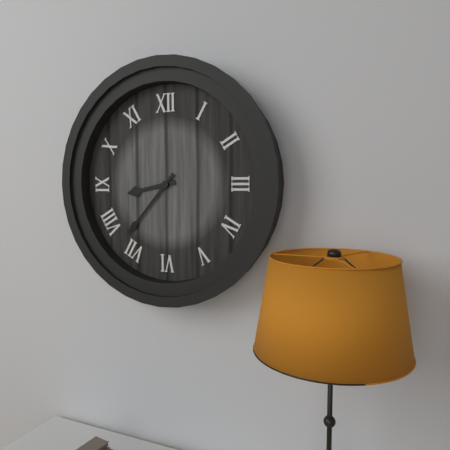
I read **8:37**
